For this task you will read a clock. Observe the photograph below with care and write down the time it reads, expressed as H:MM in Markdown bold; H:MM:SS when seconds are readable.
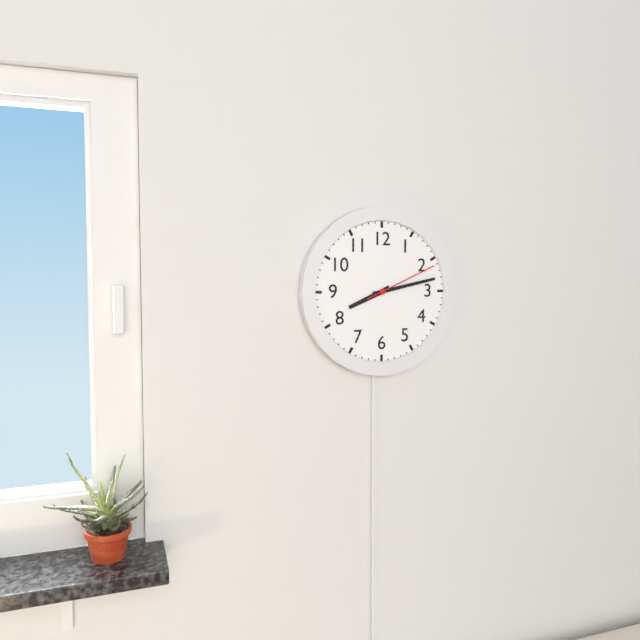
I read **8:13:11**
